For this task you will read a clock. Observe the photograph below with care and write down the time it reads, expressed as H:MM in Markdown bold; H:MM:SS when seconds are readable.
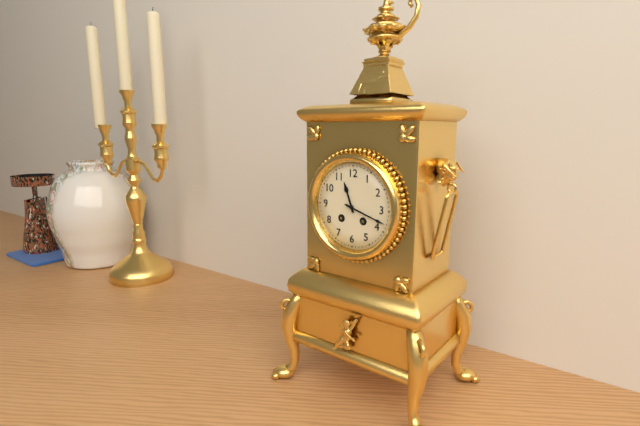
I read **11:18**
